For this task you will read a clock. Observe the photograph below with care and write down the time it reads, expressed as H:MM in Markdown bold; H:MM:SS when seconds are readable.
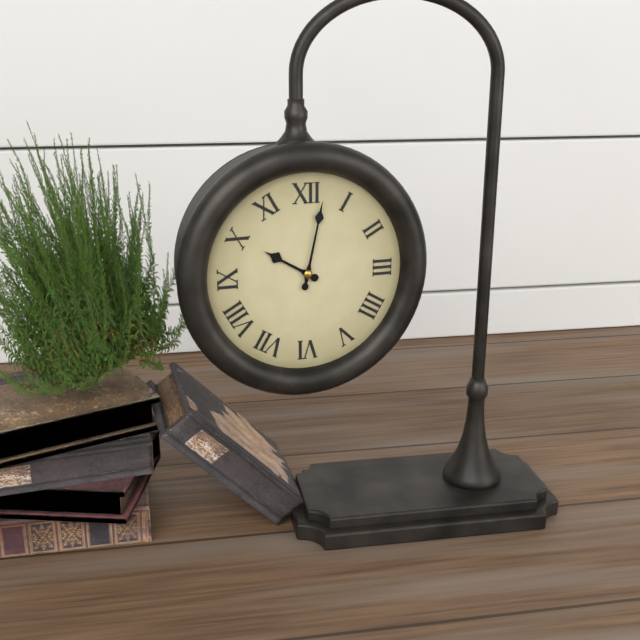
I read **10:02**
